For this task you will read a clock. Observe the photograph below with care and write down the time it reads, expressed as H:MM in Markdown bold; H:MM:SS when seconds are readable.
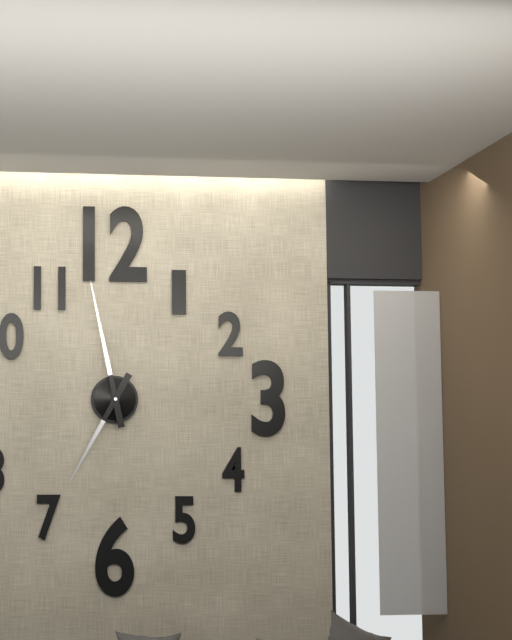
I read **6:58**
